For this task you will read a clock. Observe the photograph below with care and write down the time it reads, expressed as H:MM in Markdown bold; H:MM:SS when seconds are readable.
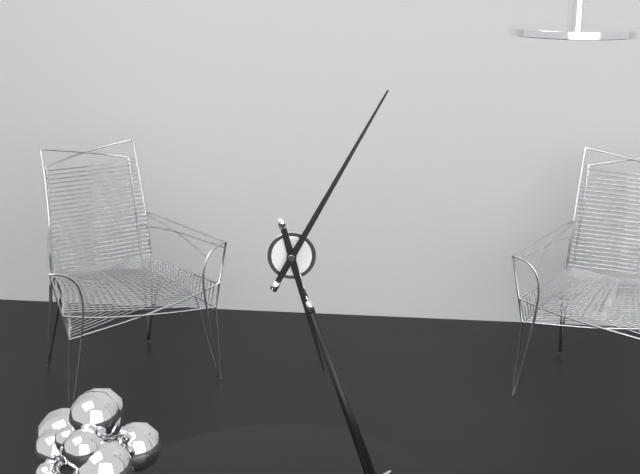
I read **6:08**
